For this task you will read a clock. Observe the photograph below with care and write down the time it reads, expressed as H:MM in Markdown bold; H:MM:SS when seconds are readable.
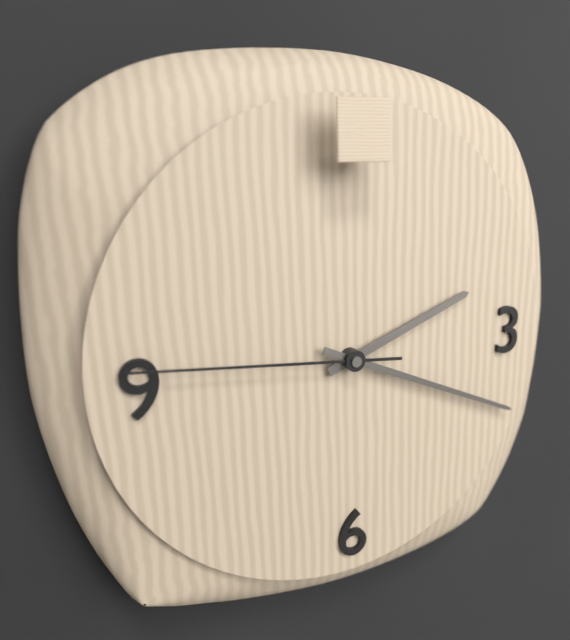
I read **2:19:46**
